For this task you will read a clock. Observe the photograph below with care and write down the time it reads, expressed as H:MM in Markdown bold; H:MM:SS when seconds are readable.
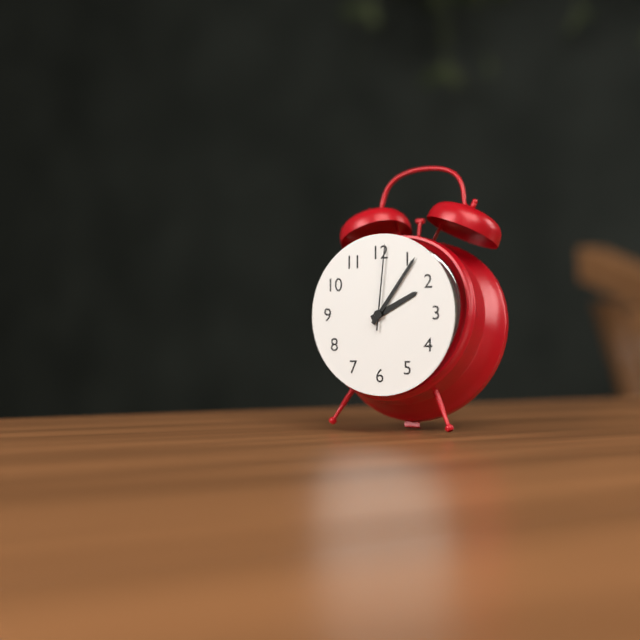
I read **2:06:01**
